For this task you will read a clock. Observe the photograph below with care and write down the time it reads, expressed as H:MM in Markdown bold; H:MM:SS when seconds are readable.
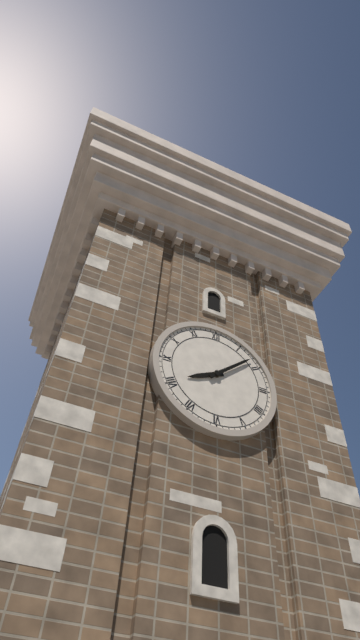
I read **8:08**
